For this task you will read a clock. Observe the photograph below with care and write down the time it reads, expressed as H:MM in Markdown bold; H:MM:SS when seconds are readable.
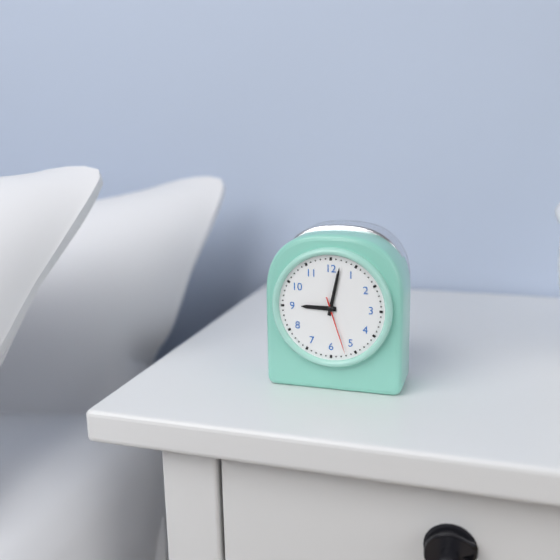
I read **9:02:27**
